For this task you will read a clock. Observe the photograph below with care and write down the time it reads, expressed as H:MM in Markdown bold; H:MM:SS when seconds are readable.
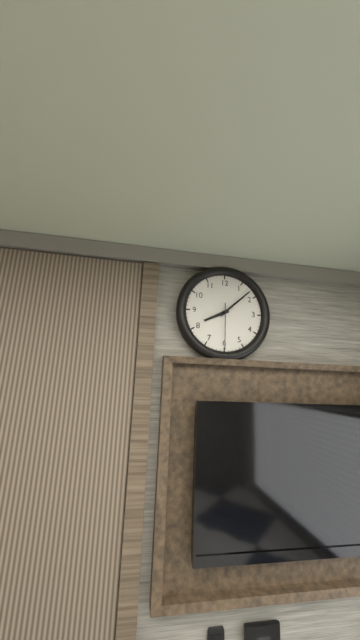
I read **8:08**
